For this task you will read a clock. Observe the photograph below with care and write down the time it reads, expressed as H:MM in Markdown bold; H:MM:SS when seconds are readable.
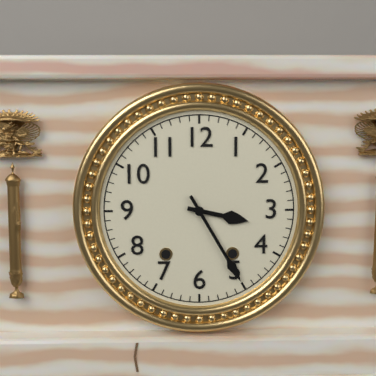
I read **3:25**
